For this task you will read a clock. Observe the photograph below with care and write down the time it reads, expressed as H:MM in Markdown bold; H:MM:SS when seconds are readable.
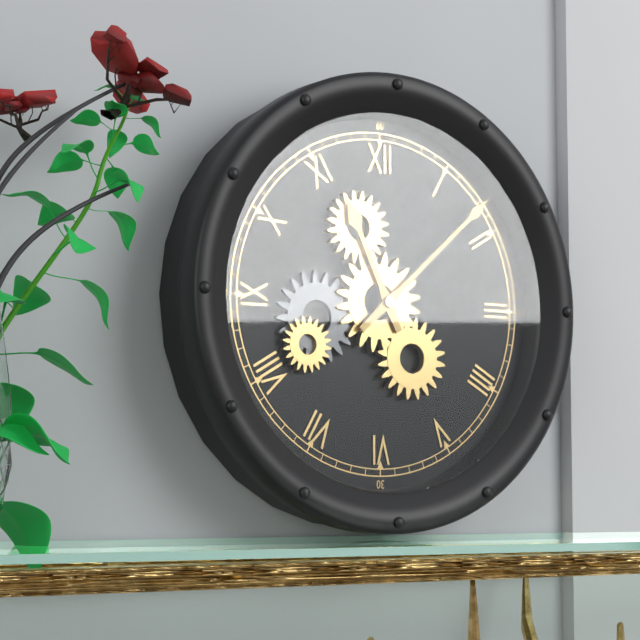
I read **11:08**
